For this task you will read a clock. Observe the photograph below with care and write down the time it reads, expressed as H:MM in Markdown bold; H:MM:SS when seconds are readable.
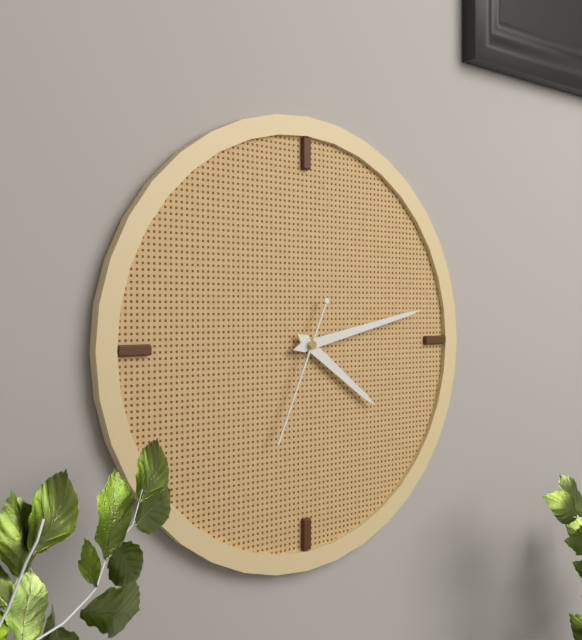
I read **4:13:34**
